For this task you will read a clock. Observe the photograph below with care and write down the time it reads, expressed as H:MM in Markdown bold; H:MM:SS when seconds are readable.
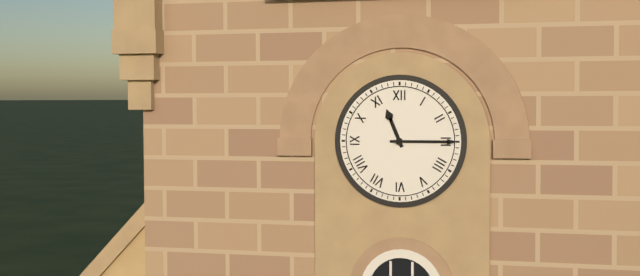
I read **11:15**
